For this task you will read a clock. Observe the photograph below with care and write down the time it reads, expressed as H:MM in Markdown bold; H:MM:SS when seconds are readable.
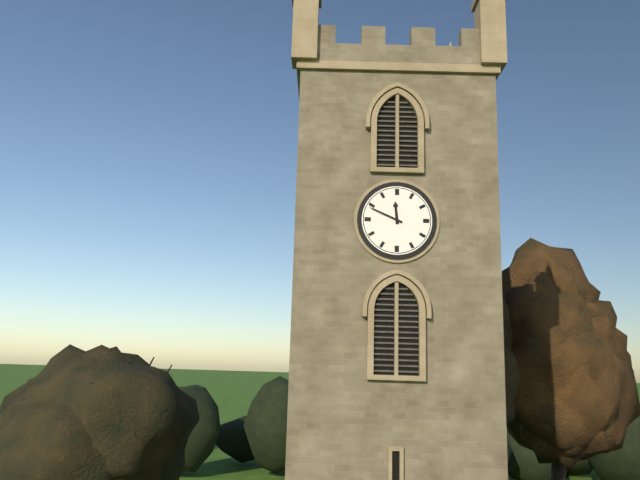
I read **11:49**
